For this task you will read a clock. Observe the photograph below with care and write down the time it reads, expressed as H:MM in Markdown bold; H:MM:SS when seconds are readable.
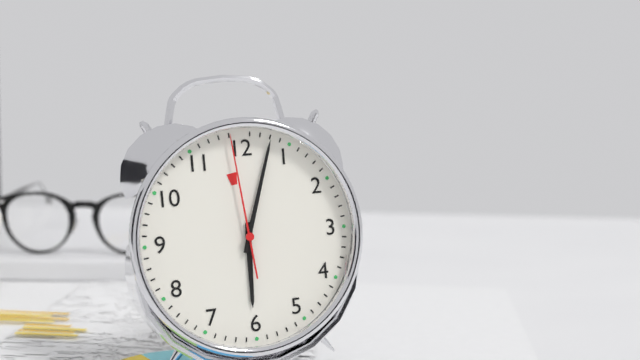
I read **6:03:59**
